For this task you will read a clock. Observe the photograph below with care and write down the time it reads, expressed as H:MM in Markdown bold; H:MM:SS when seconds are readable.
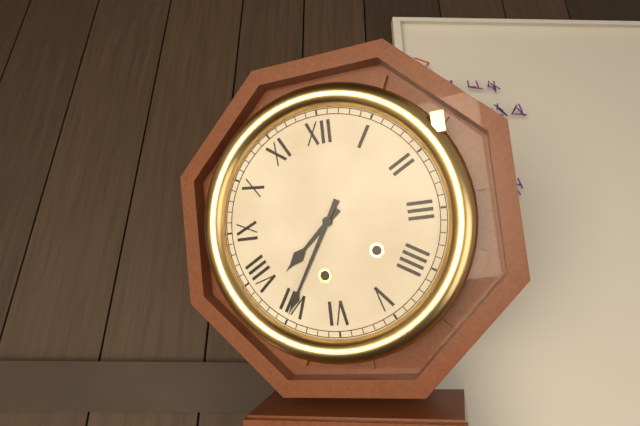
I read **7:35**
